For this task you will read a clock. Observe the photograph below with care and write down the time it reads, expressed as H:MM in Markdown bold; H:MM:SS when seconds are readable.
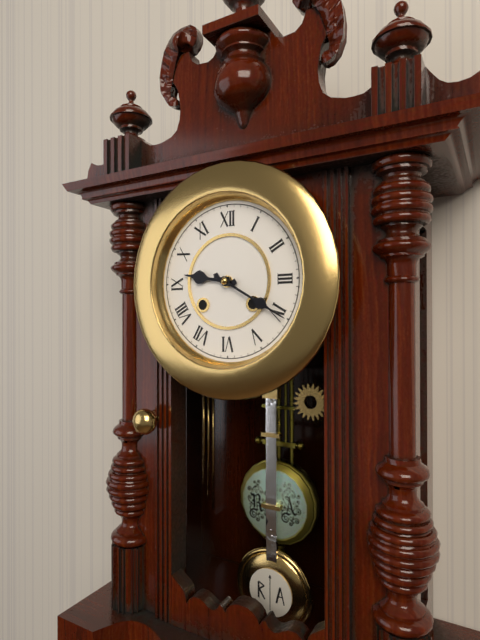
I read **9:20**
